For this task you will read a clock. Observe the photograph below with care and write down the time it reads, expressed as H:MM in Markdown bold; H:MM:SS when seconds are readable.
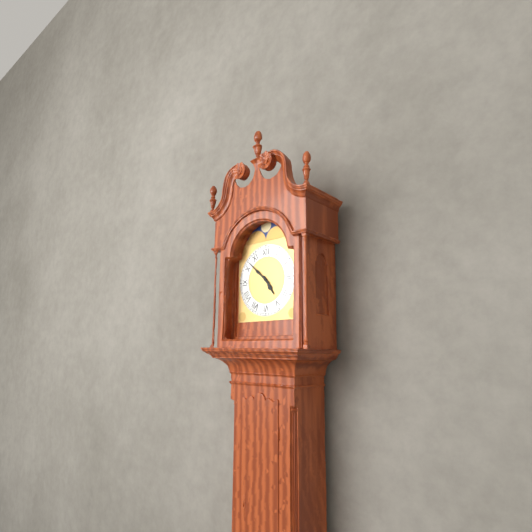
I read **4:52**
